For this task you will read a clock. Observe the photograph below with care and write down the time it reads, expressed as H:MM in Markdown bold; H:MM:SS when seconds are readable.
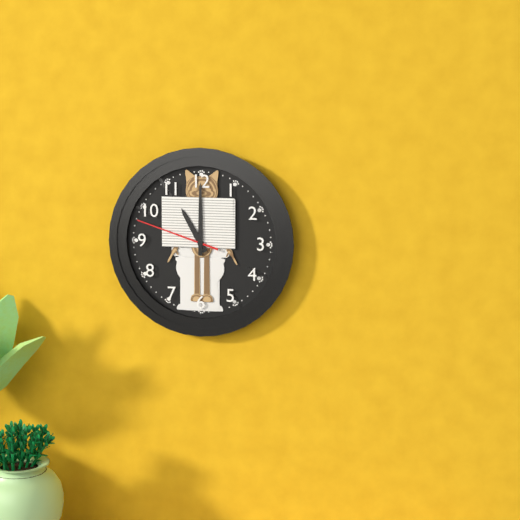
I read **11:00:48**
